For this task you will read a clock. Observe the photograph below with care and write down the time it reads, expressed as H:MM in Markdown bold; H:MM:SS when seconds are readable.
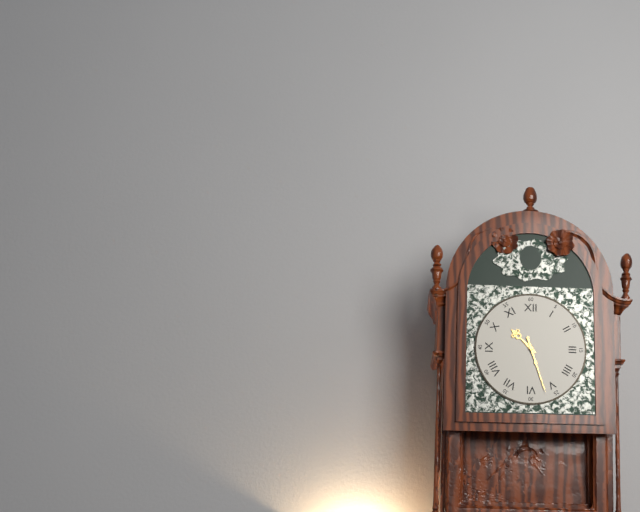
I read **10:27**
